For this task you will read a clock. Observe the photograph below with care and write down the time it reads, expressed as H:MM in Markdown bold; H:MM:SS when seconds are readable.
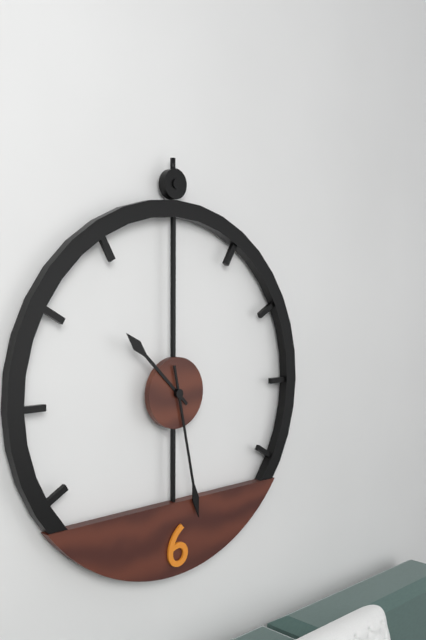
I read **10:28**
